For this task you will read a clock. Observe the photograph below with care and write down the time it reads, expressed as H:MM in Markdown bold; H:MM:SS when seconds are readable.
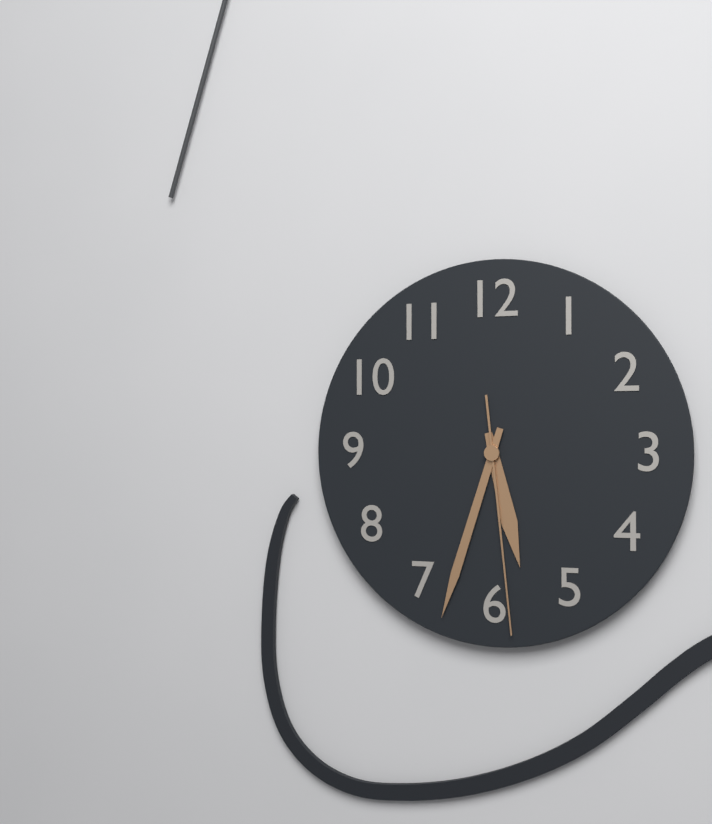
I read **5:33:29**
